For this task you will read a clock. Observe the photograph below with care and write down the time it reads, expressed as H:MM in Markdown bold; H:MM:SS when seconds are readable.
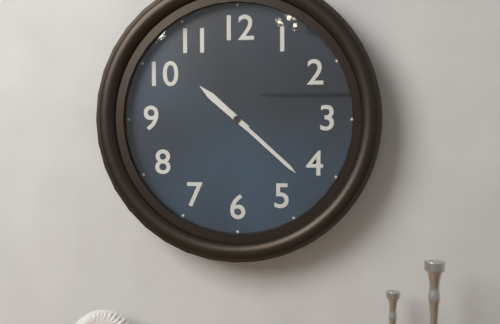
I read **10:22**
